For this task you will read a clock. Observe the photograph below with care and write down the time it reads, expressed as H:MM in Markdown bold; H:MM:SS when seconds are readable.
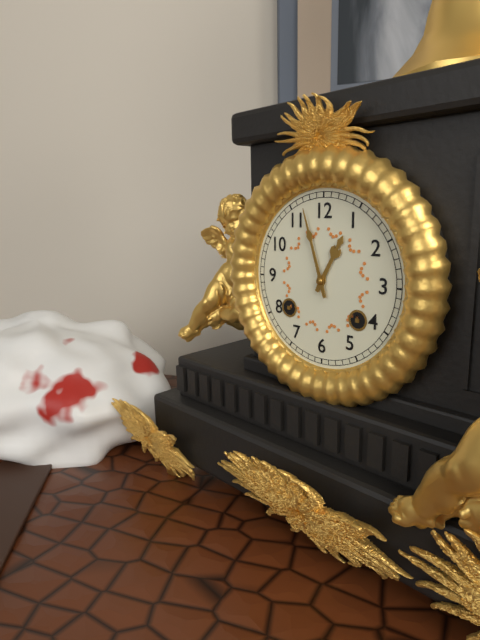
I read **12:57**
